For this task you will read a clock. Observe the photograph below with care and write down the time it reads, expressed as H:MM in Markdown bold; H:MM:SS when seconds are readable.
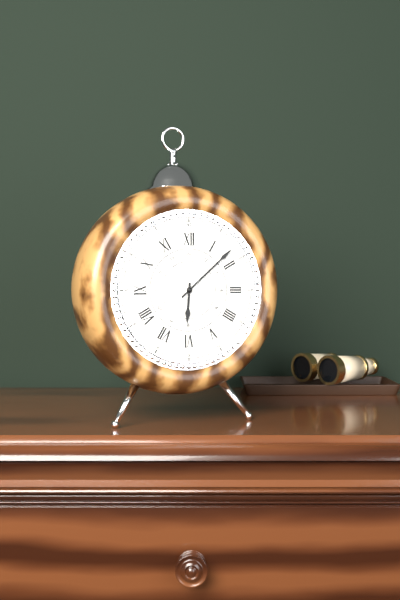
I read **6:08**
